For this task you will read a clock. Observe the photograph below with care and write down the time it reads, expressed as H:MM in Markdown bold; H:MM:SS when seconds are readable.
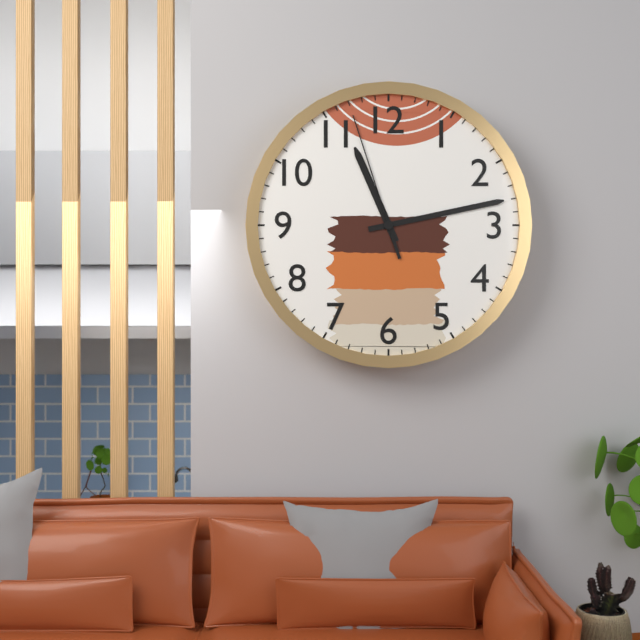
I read **11:13:57**
